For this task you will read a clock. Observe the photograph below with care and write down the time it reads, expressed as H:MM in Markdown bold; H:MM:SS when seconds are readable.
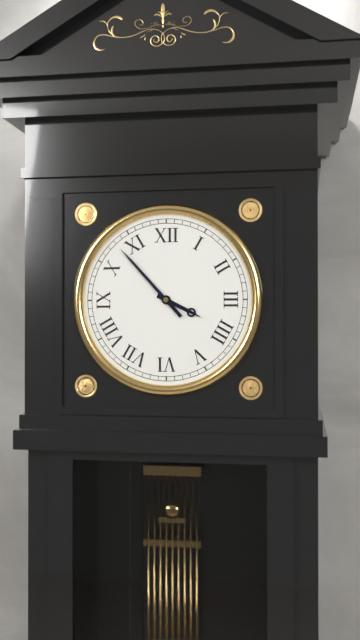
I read **3:53**
